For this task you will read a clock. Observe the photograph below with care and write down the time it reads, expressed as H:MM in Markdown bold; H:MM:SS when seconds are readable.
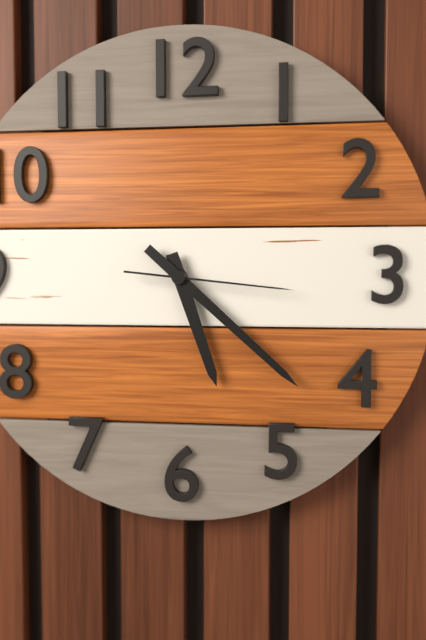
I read **5:22:16**
